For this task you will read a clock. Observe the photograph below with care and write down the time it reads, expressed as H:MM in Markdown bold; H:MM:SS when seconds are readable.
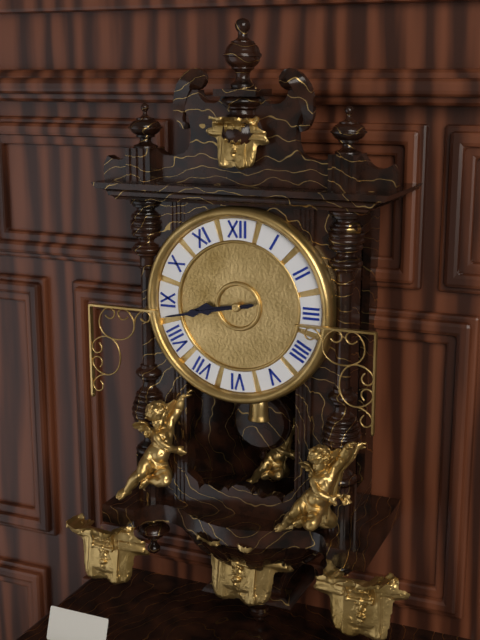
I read **8:43**
